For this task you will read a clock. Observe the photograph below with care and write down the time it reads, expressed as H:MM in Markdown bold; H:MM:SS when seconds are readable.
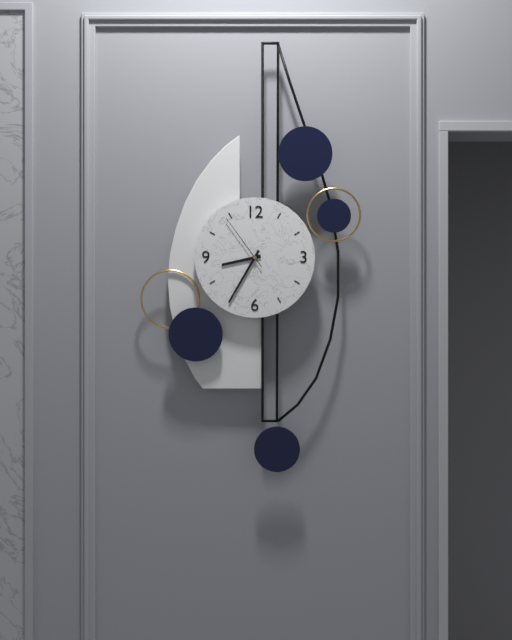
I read **8:35:54**
